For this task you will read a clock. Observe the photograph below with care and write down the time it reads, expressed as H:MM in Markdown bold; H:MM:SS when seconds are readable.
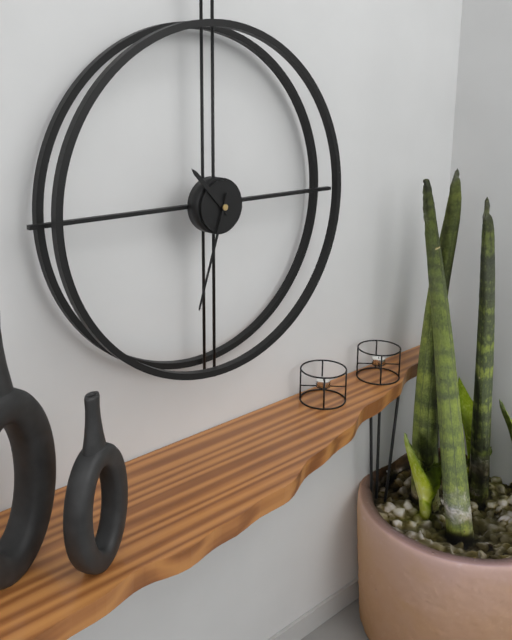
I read **10:33**
